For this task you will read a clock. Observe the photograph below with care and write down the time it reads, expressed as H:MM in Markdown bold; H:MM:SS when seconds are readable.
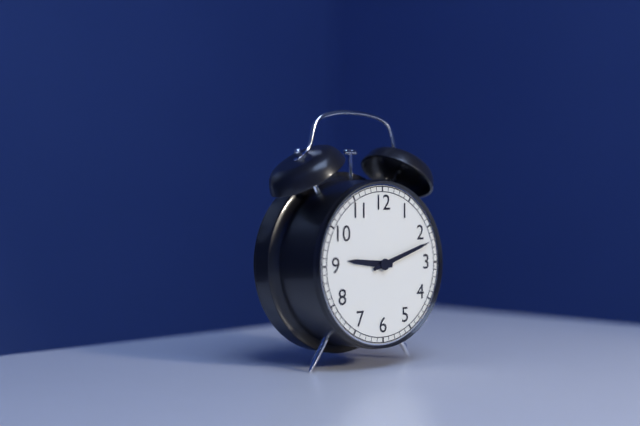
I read **9:12**
